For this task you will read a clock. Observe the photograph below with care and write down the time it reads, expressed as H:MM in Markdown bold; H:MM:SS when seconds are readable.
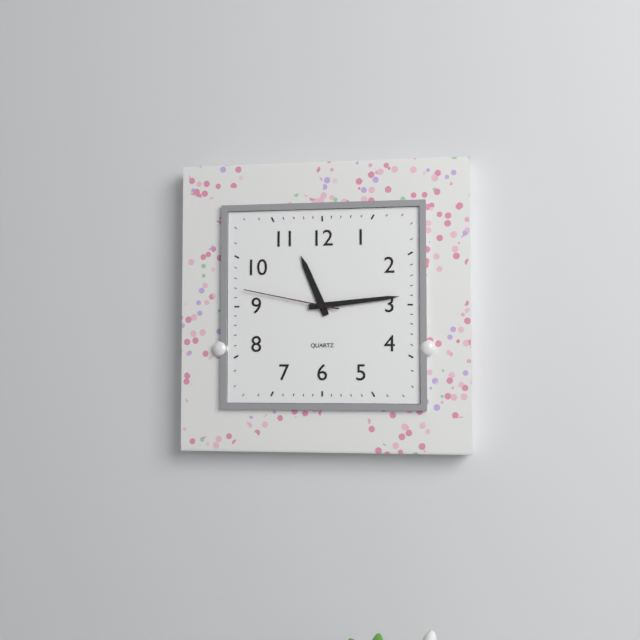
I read **11:14:47**
